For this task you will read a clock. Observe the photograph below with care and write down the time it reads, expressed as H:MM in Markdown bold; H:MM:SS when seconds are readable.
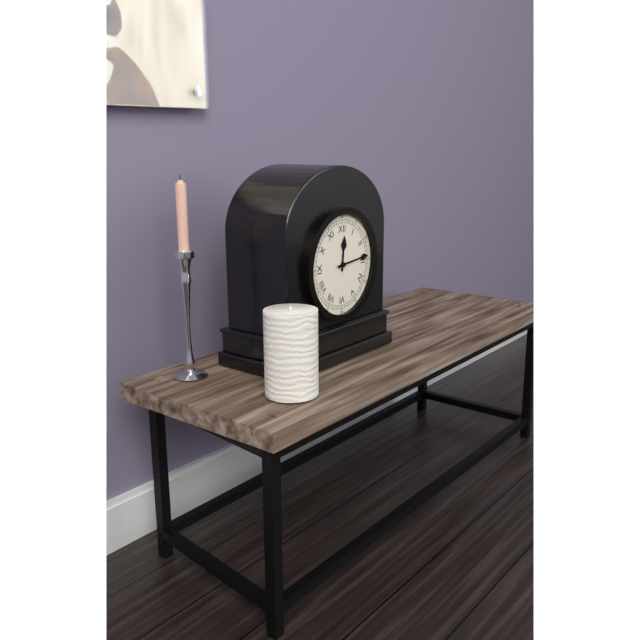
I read **12:14**
